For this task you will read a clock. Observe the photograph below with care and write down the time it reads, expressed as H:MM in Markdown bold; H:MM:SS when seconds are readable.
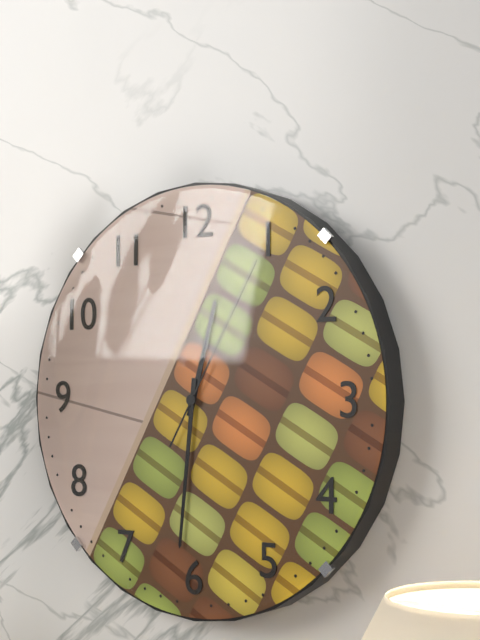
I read **12:31:05**
